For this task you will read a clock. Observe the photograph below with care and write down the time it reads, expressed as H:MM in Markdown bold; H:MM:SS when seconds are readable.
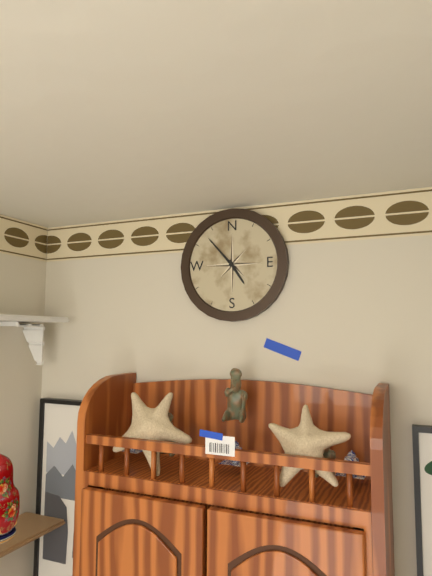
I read **4:53**
